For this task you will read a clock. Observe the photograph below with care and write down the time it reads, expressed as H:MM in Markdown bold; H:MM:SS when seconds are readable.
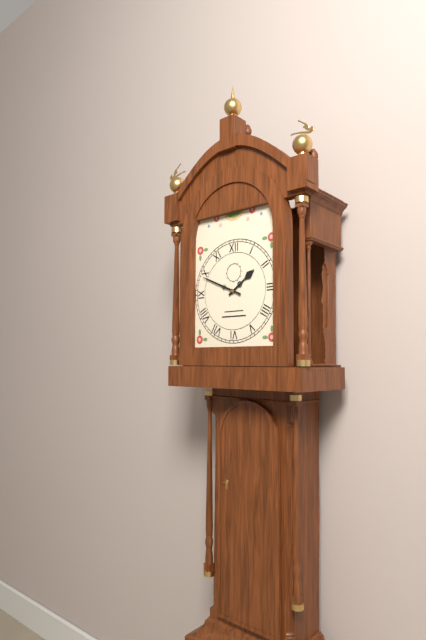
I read **1:49**
